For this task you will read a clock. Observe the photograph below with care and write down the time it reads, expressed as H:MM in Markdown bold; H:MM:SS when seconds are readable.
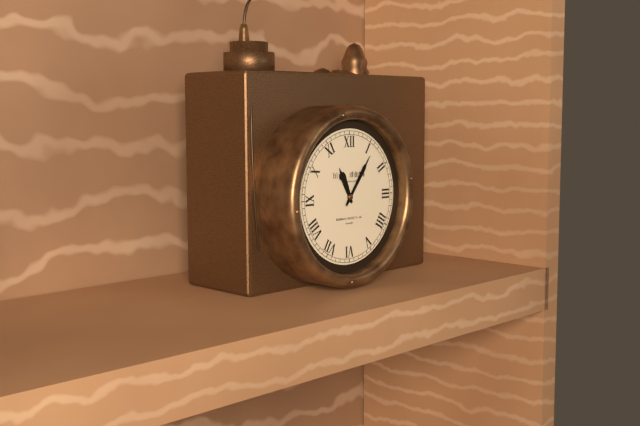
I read **11:06**
